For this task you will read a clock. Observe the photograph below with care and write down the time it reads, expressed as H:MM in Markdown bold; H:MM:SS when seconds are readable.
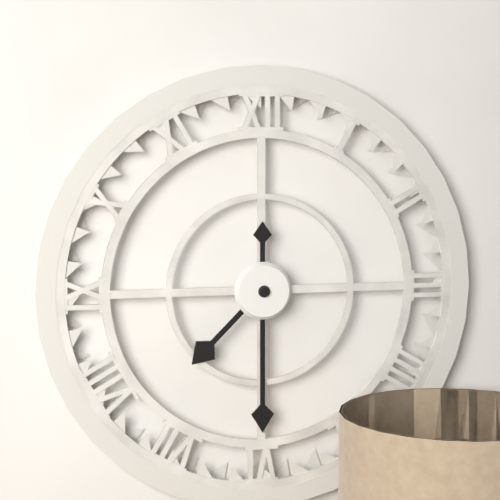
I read **7:30**
